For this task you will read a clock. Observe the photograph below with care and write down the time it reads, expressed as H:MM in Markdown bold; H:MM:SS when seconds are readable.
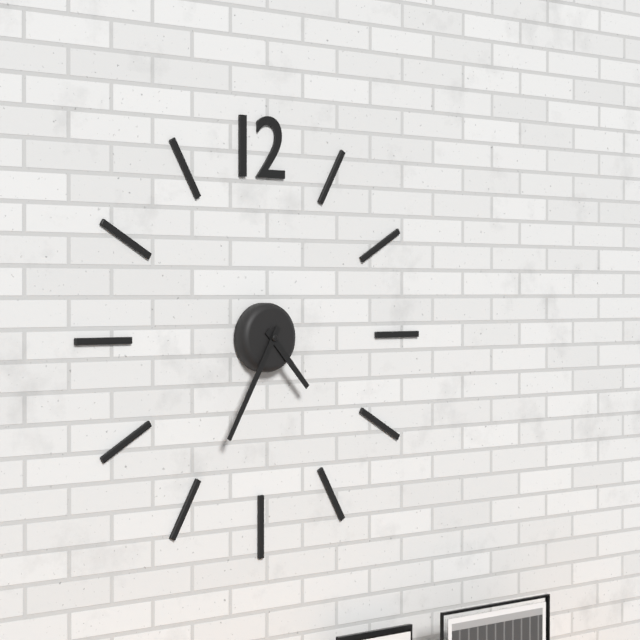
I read **4:35**
